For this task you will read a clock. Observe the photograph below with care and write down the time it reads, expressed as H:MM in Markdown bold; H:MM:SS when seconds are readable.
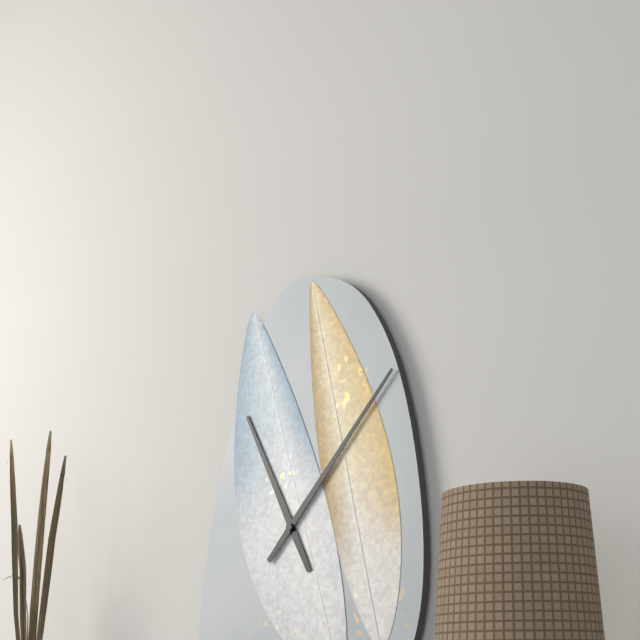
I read **11:07**
